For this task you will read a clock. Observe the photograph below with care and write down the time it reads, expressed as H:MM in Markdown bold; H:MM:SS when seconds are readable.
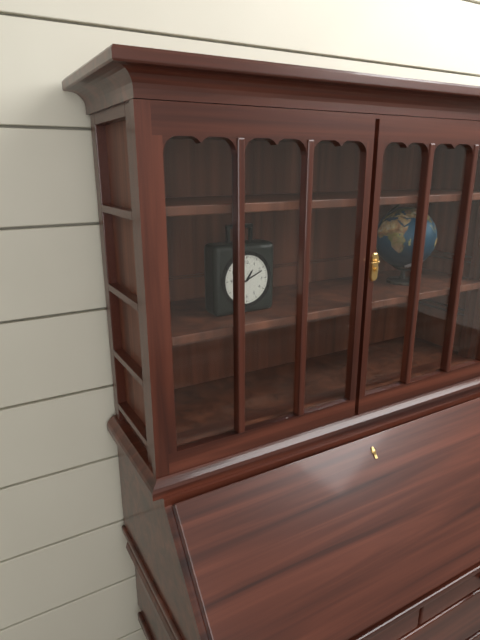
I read **1:11**
